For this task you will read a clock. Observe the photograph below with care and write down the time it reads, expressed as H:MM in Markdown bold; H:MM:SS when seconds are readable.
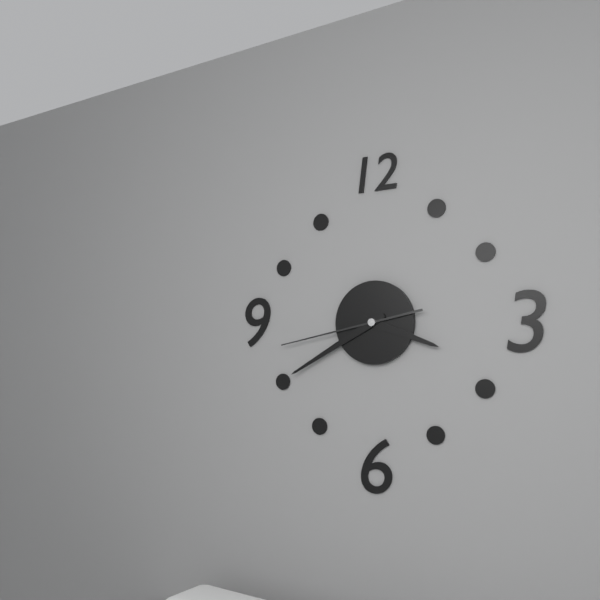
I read **3:40:43**
